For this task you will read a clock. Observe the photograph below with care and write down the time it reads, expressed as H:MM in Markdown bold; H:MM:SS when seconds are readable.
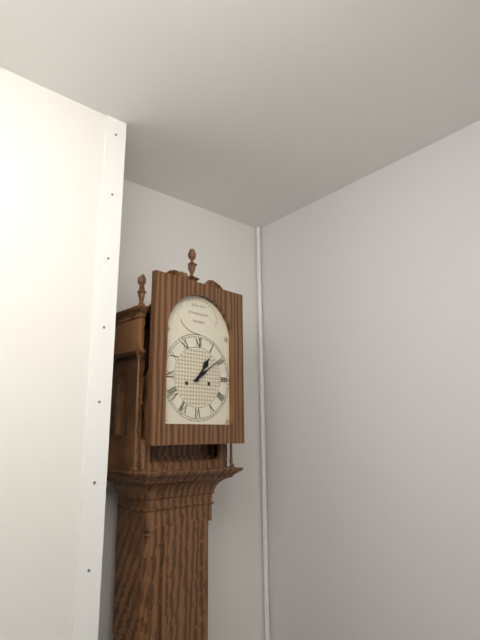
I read **1:09**
